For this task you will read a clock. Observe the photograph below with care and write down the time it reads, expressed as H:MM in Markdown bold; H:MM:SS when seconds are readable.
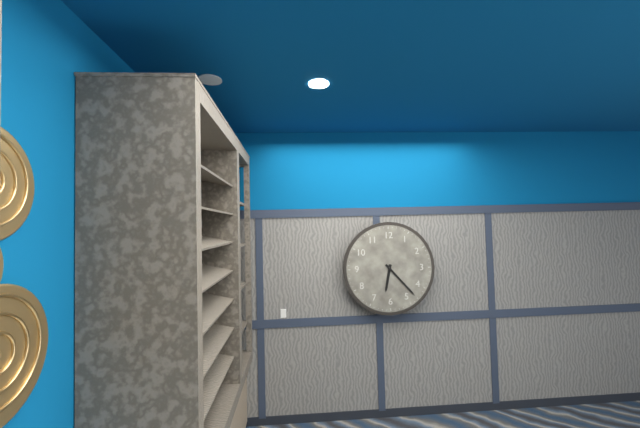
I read **6:23**
